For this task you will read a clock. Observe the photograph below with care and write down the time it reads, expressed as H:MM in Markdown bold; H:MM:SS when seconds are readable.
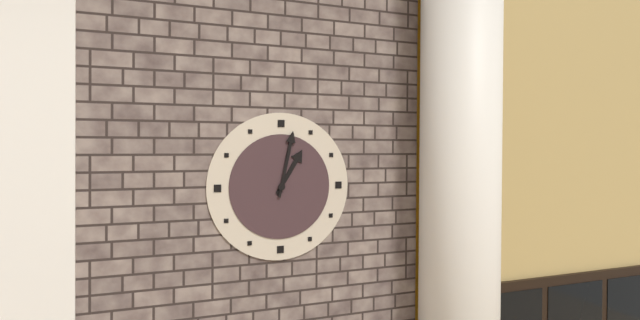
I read **1:02**
